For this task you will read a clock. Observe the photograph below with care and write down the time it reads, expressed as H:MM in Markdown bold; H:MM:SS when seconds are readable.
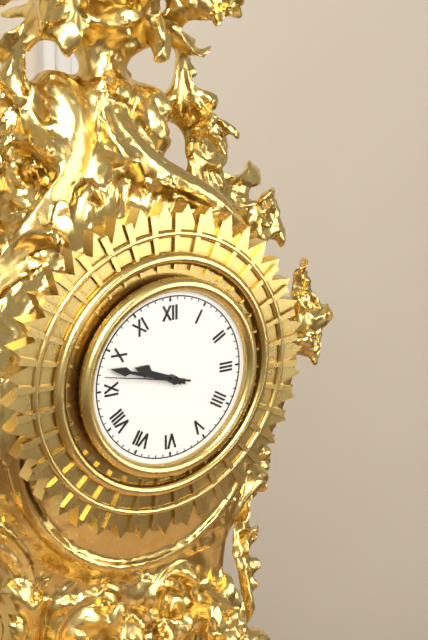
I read **9:48:47**
